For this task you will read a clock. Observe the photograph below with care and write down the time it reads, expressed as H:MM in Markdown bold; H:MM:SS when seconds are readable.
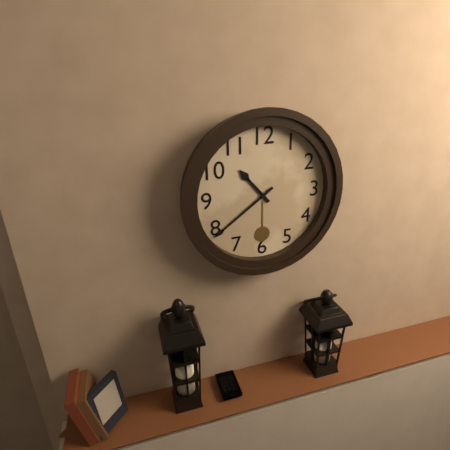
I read **10:39**
